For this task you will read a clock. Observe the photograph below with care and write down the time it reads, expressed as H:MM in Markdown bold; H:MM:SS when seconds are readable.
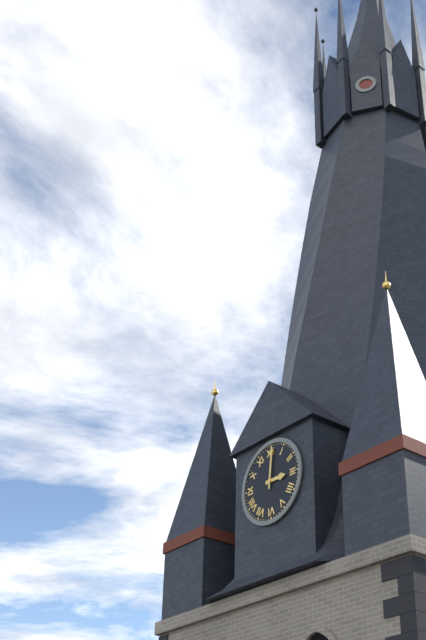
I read **3:01**
